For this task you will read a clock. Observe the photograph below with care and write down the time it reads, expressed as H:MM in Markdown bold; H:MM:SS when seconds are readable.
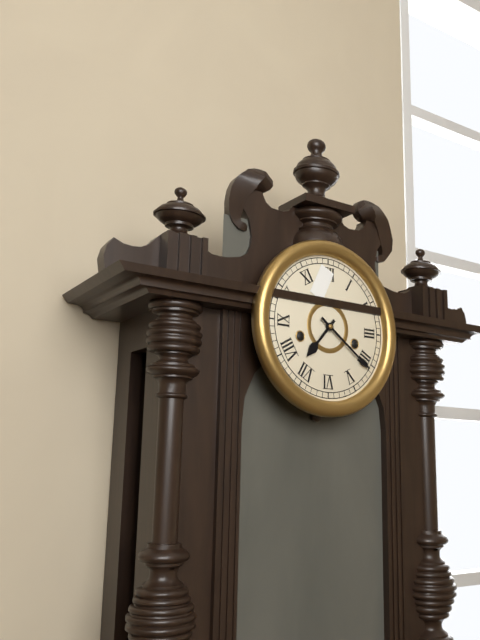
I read **7:21**
